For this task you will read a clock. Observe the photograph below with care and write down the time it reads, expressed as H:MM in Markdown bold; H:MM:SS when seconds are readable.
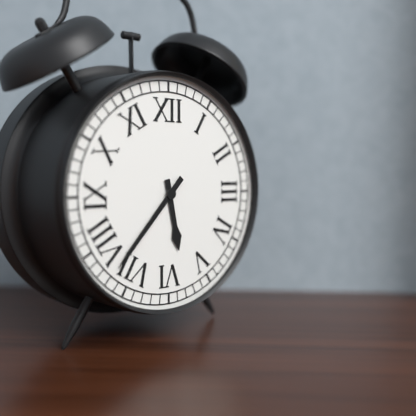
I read **5:37**
